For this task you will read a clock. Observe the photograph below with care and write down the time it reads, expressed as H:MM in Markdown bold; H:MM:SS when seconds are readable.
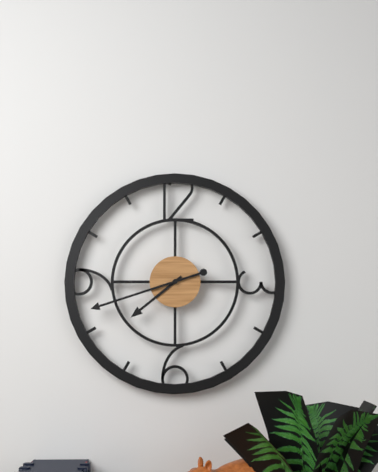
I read **7:42**
